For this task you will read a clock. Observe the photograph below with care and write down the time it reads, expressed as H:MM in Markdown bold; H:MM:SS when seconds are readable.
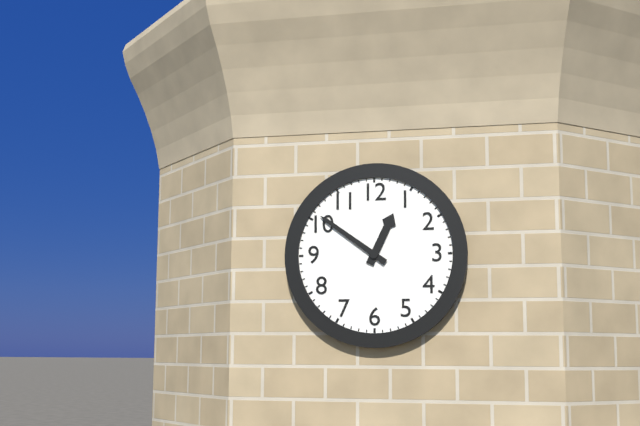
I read **12:51**
